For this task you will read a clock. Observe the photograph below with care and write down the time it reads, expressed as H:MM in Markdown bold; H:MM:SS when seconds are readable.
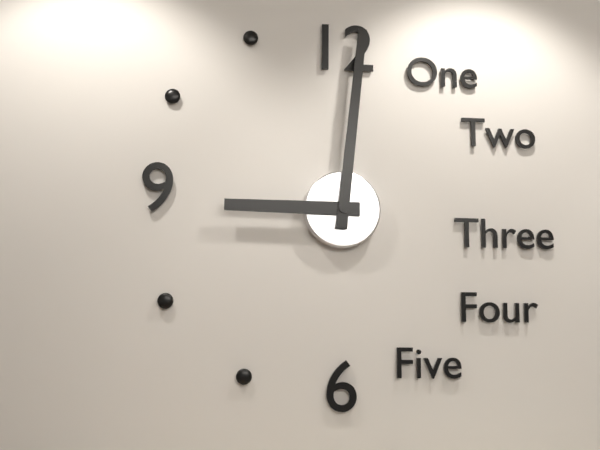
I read **9:01**
